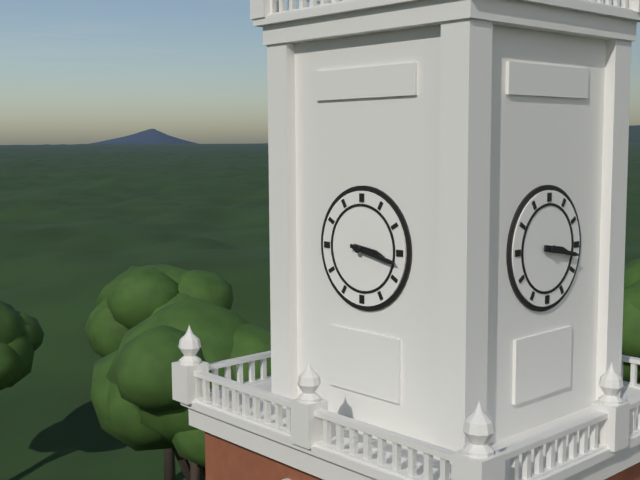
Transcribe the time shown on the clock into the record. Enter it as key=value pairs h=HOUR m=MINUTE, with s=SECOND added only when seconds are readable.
h=3 m=17
